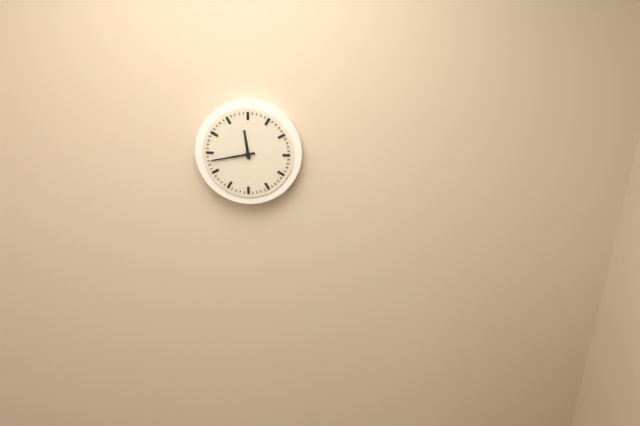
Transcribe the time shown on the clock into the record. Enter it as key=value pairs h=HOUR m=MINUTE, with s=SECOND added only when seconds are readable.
h=11 m=43
